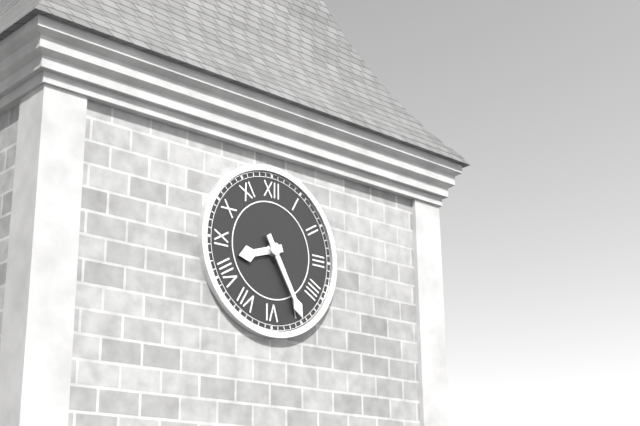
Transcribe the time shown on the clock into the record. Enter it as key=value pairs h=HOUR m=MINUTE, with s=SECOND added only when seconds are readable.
h=8 m=25
